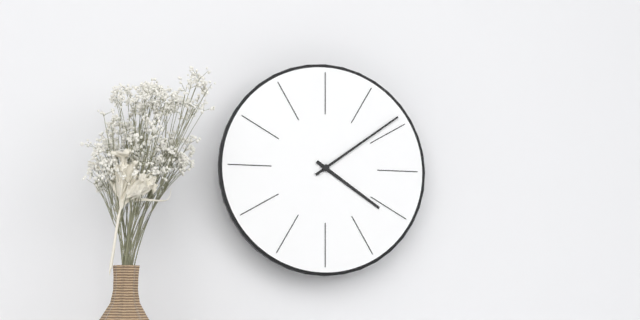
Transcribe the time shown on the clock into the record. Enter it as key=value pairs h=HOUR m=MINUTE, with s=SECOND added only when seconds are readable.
h=4 m=9
